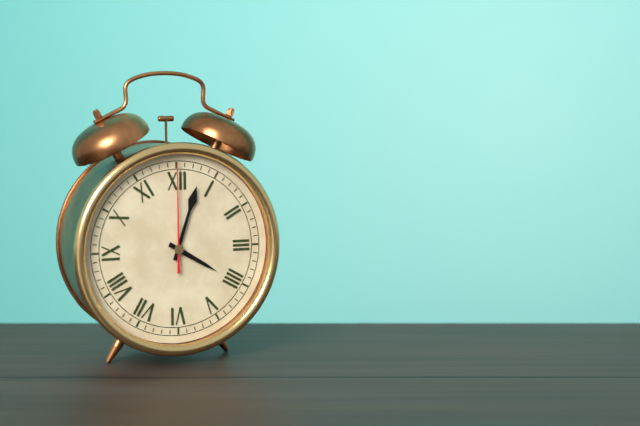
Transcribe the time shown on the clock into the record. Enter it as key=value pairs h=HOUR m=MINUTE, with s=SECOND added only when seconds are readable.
h=4 m=3 s=0
